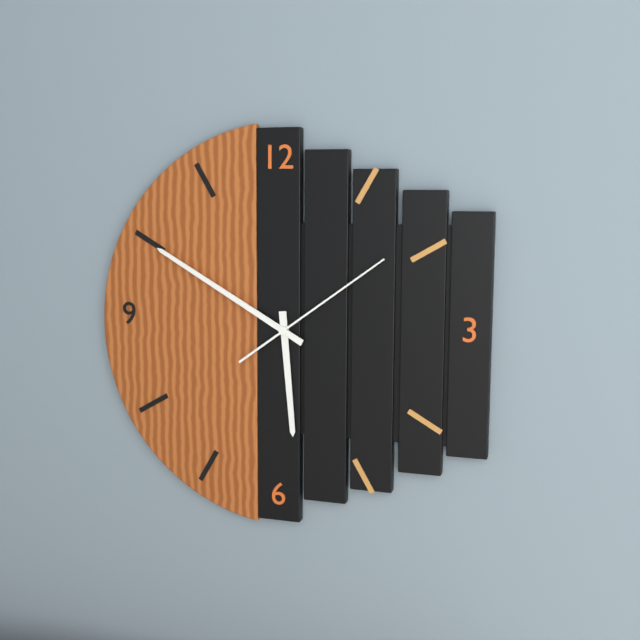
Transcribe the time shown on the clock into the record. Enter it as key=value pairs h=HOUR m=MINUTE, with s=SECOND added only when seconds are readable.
h=5 m=50 s=9
